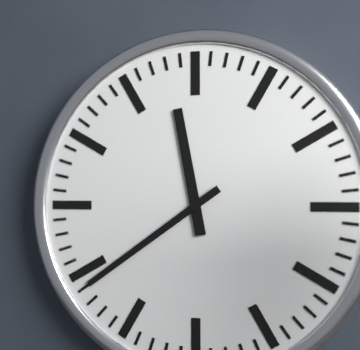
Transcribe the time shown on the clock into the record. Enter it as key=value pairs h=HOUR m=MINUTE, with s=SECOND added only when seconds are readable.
h=11 m=39
